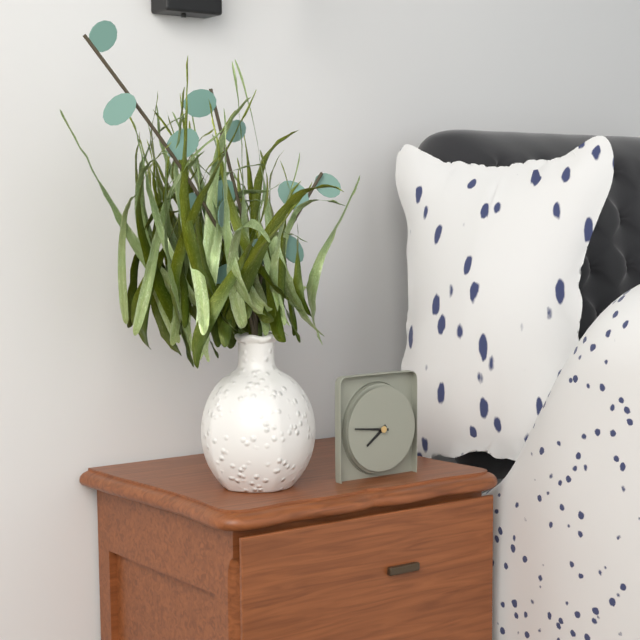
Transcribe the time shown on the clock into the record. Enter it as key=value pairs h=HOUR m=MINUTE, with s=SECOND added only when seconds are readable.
h=7 m=46
